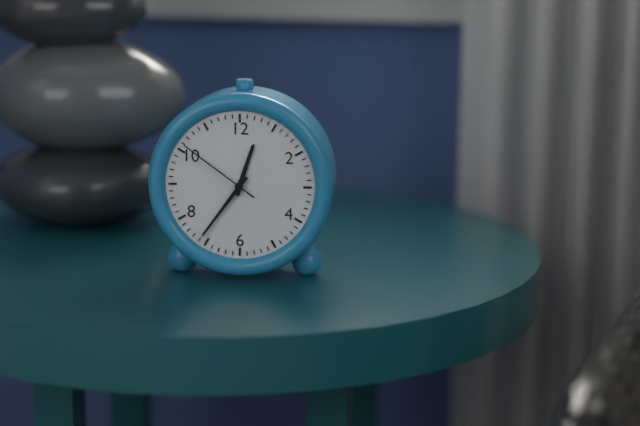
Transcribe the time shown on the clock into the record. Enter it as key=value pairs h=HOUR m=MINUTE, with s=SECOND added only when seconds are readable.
h=12 m=36 s=51
